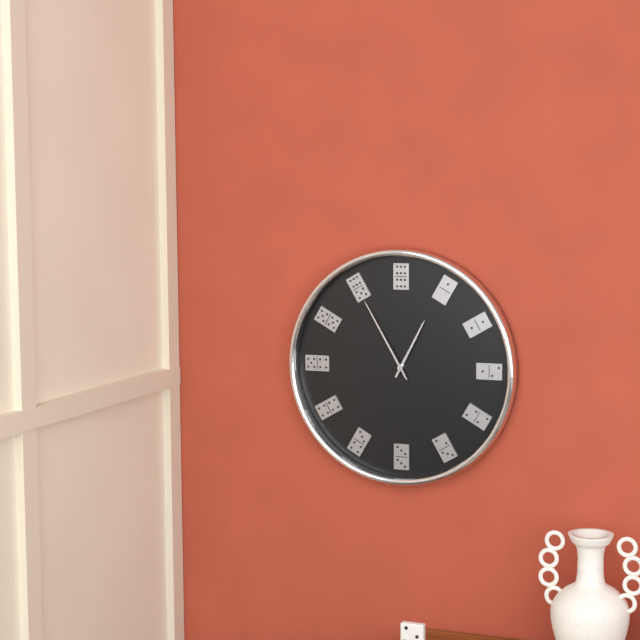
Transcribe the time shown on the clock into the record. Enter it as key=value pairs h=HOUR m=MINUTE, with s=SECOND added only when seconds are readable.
h=12 m=55
